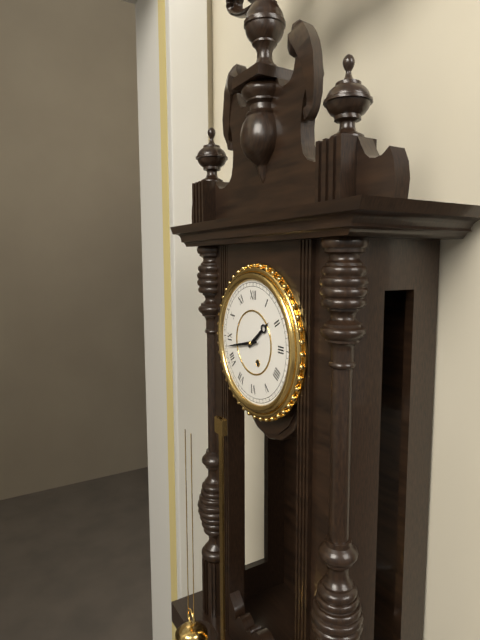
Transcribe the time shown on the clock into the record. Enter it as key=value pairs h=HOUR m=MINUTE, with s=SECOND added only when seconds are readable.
h=1 m=43
